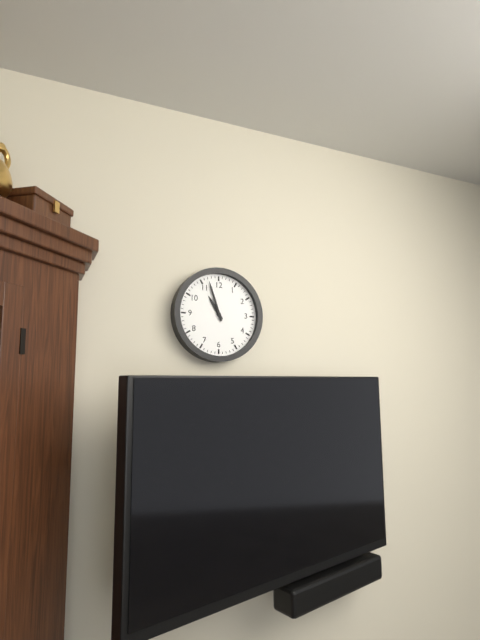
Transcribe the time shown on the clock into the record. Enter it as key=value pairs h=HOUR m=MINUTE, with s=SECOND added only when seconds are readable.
h=10 m=57
